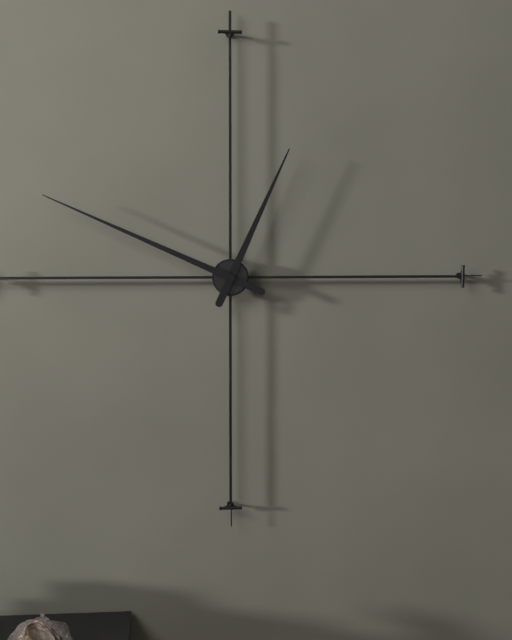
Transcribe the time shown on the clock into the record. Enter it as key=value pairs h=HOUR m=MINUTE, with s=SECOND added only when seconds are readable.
h=12 m=49
